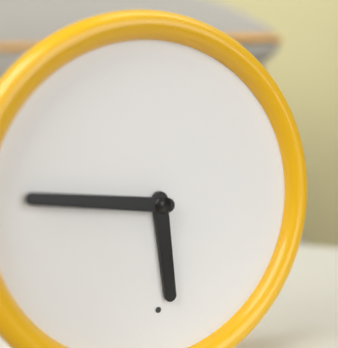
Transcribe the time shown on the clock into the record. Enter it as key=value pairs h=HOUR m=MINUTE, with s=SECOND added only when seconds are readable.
h=5 m=46
